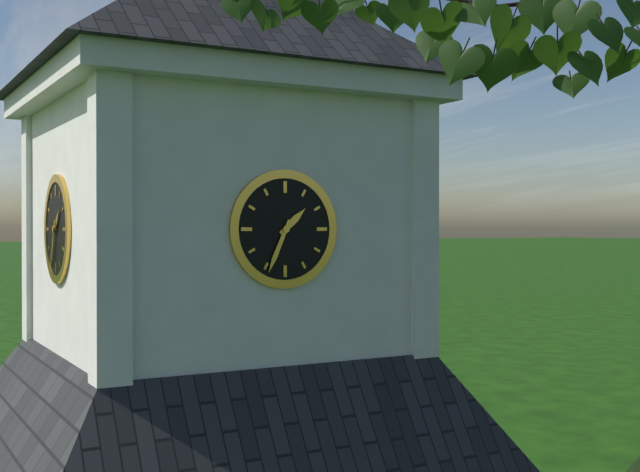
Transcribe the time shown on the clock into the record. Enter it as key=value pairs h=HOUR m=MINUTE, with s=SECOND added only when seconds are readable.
h=1 m=34
